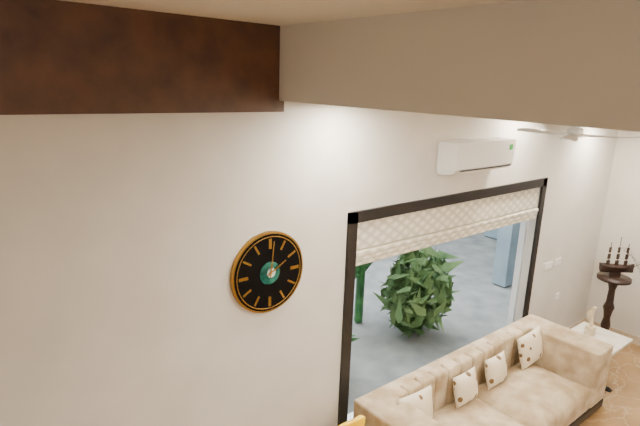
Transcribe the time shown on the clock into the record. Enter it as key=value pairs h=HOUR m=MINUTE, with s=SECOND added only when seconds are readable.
h=2 m=1
